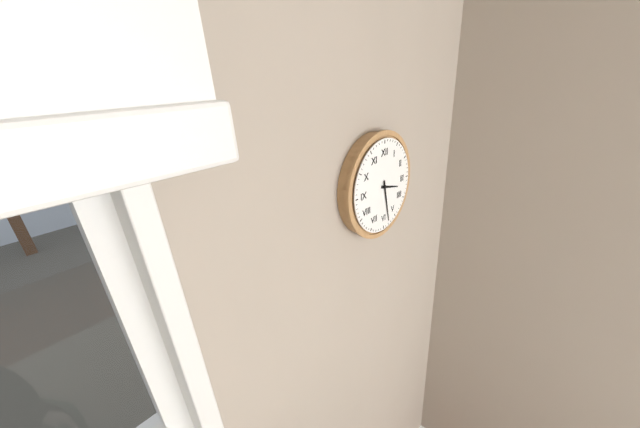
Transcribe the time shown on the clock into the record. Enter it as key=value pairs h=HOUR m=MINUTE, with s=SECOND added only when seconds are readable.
h=3 m=28
